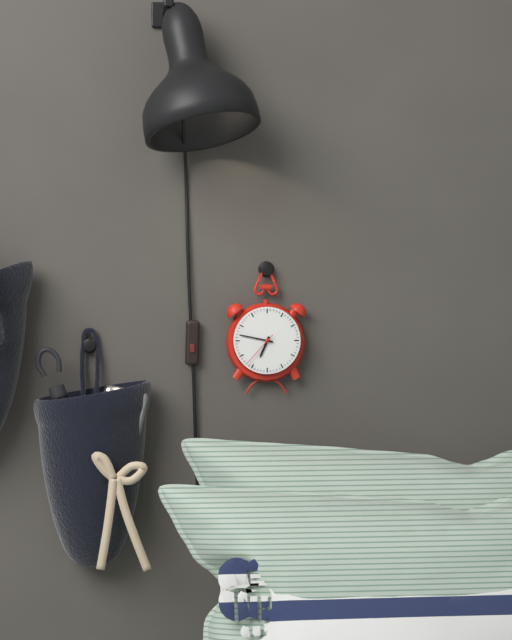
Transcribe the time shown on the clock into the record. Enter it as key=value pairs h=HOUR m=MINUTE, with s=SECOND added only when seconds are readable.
h=6 m=47
